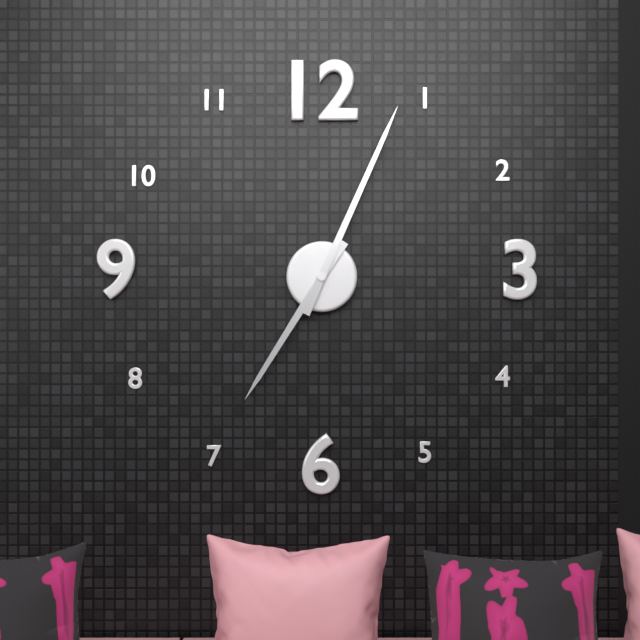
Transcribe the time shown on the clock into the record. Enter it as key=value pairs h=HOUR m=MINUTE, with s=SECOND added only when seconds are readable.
h=7 m=4
